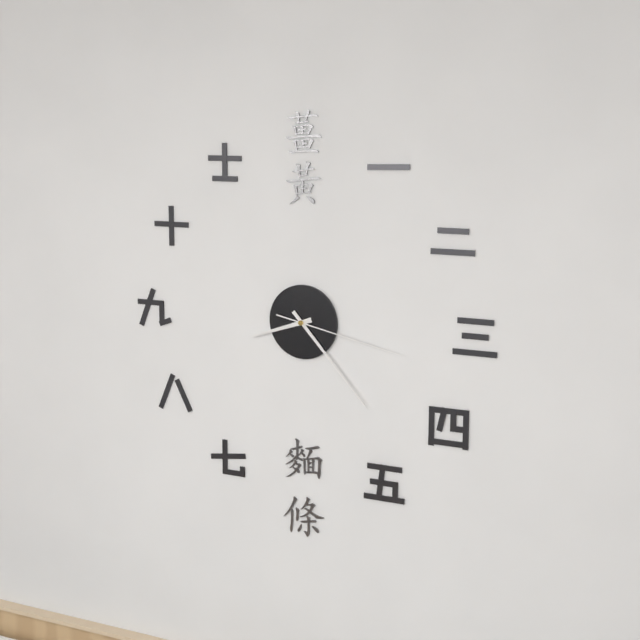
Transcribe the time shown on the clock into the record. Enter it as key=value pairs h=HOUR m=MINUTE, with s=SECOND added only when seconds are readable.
h=8 m=23 s=17
